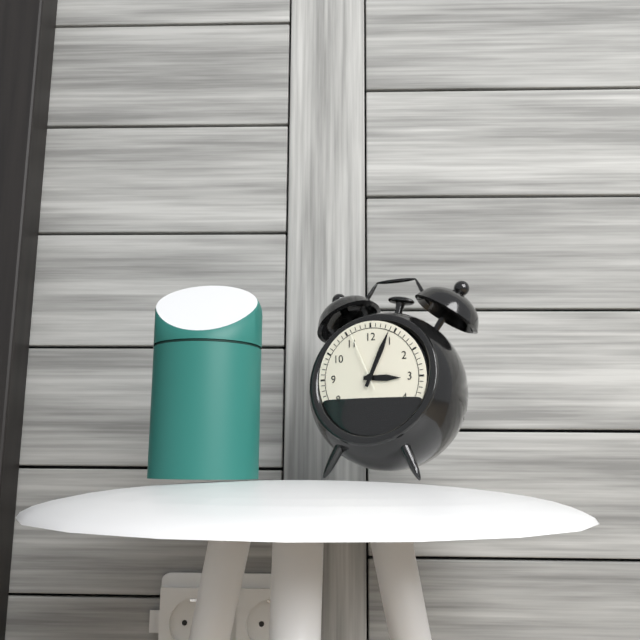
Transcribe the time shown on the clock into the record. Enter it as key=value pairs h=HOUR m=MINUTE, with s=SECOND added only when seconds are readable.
h=3 m=4 s=56
